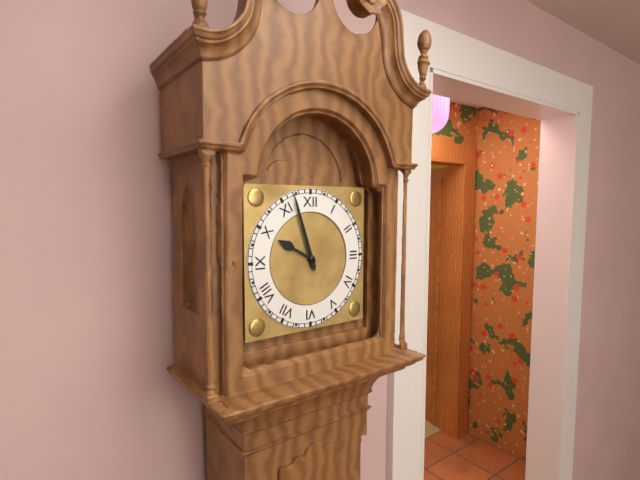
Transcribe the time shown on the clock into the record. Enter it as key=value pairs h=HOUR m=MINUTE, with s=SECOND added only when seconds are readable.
h=9 m=57
